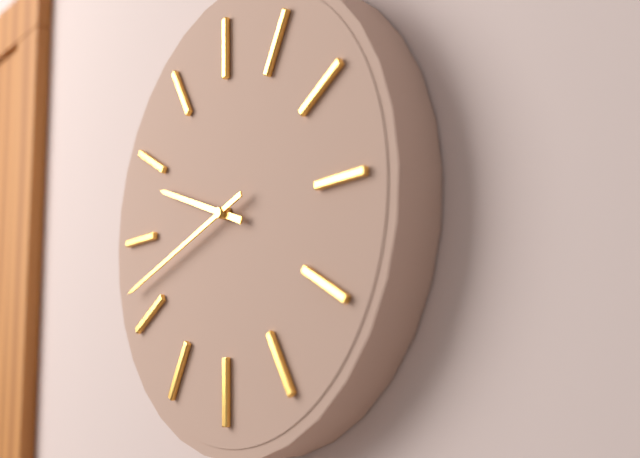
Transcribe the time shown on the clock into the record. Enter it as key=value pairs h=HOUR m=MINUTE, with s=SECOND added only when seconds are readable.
h=9 m=42
